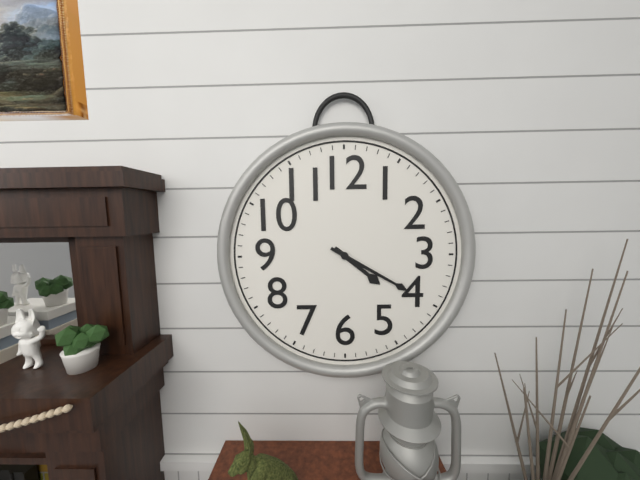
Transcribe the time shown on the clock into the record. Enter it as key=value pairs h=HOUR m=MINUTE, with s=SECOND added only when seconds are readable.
h=4 m=20
